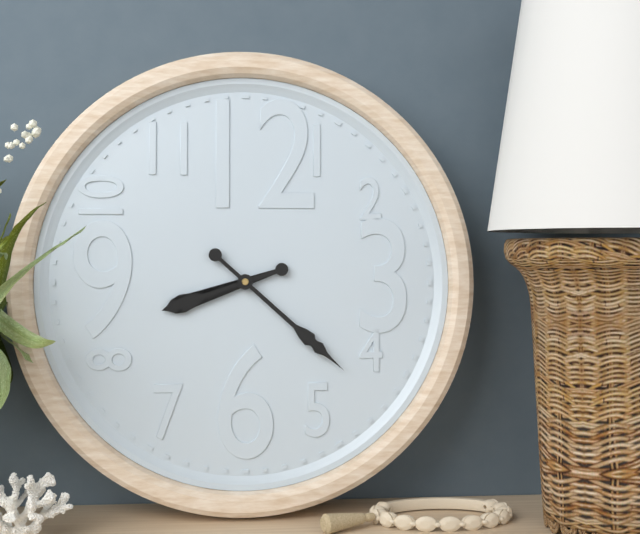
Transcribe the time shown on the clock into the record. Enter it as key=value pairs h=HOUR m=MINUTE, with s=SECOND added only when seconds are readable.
h=8 m=22
